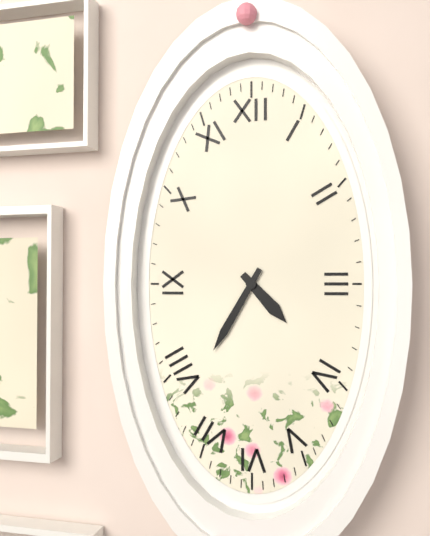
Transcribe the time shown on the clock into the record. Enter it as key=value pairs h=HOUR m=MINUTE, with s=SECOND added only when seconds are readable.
h=4 m=35
